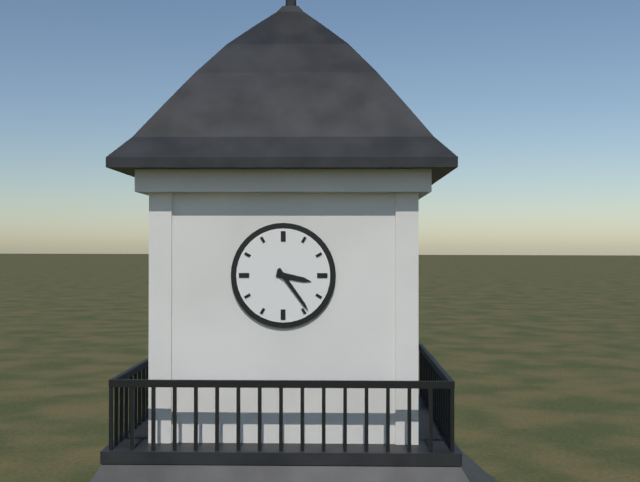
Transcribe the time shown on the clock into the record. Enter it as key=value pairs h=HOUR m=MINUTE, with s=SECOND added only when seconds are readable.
h=3 m=24
